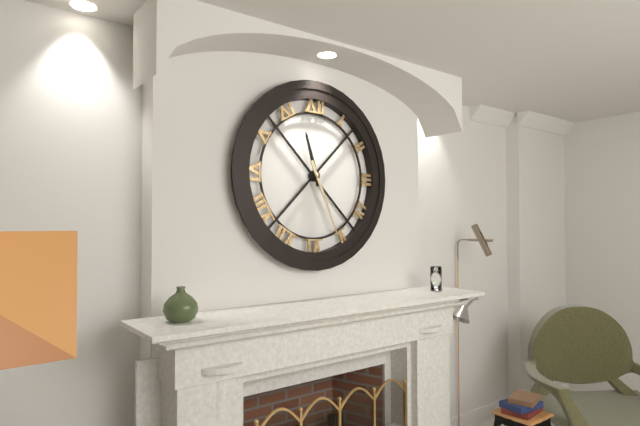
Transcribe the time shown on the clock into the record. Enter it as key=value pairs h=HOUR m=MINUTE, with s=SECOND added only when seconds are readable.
h=11 m=26
